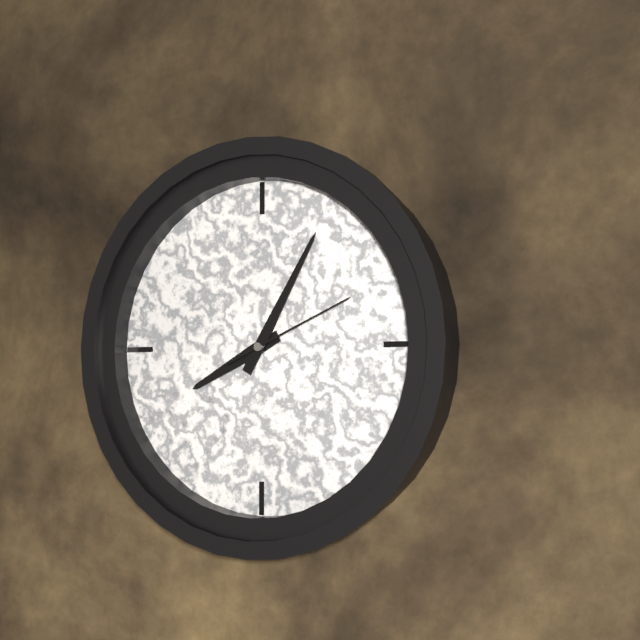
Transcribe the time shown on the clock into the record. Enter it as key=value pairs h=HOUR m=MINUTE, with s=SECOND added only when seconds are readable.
h=8 m=5 s=11
